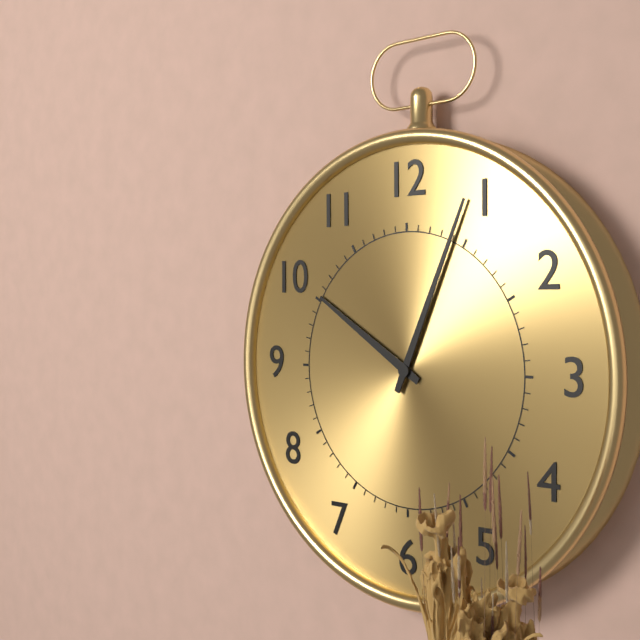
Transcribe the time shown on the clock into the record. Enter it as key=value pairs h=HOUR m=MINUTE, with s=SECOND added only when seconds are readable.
h=10 m=4
